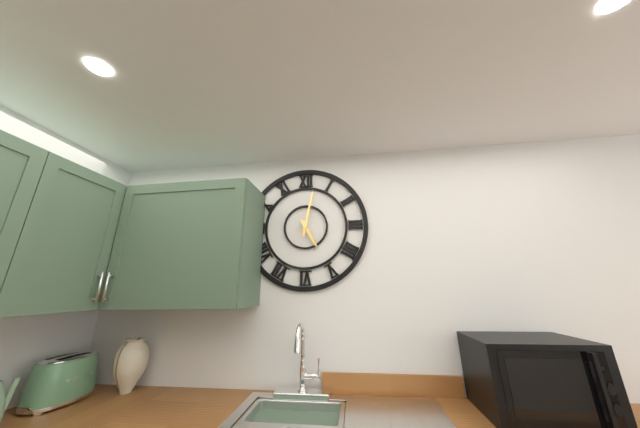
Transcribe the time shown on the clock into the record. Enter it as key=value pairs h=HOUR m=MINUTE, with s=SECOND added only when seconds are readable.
h=5 m=2
